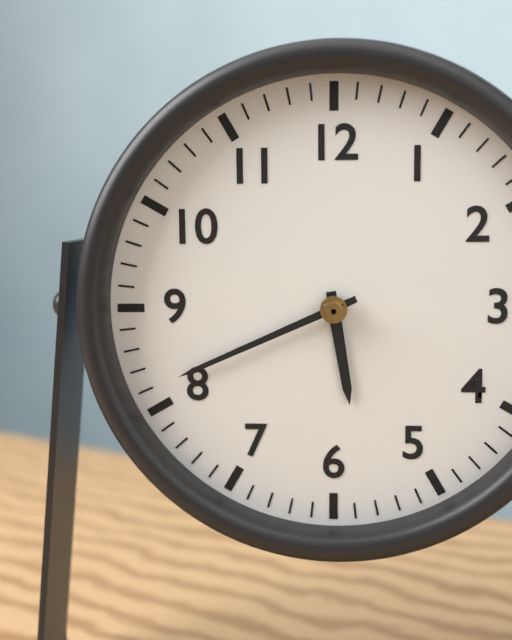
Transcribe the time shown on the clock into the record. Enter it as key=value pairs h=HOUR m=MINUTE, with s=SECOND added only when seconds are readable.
h=5 m=41
